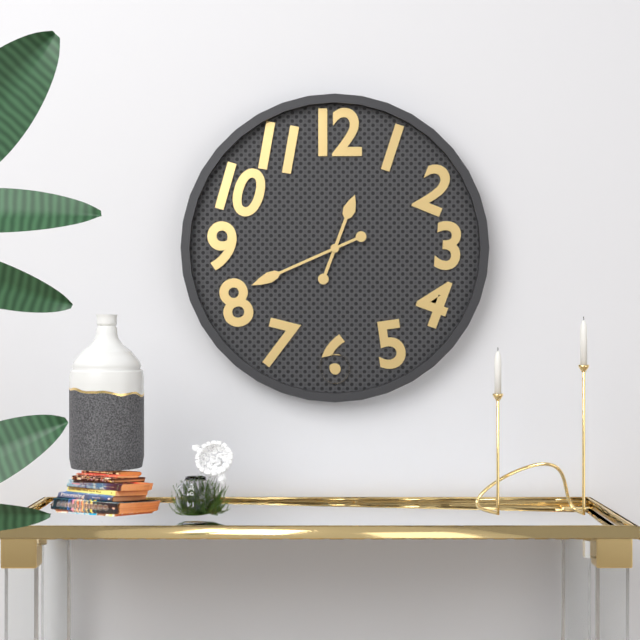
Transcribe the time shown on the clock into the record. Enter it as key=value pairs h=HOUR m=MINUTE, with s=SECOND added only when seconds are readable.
h=12 m=41
